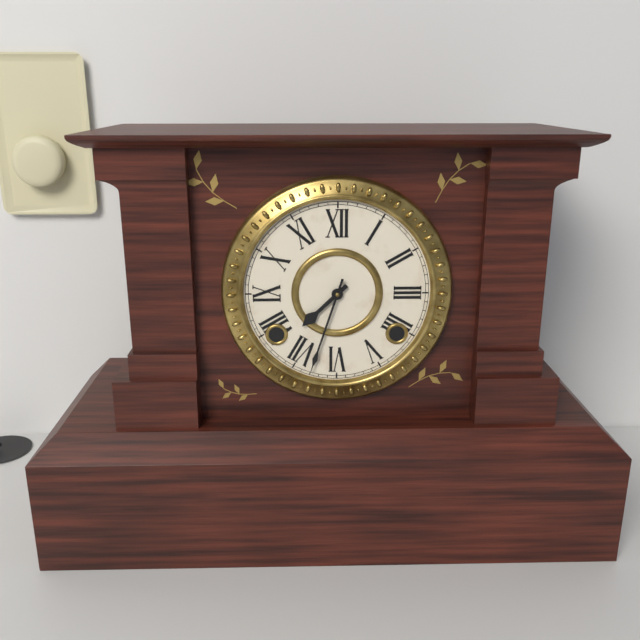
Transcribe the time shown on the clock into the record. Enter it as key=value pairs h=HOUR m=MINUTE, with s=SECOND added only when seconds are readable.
h=7 m=33
